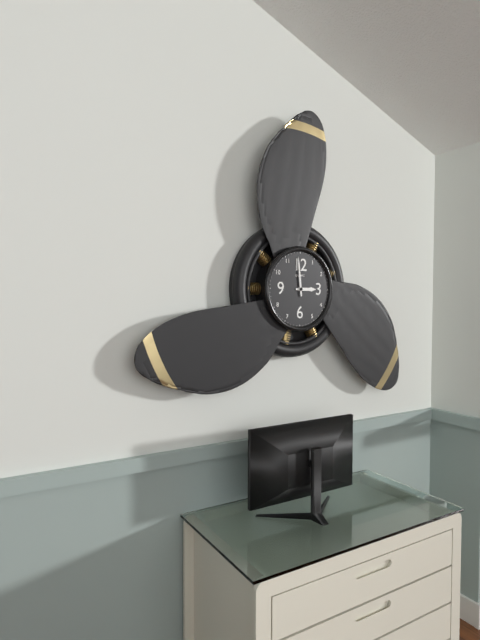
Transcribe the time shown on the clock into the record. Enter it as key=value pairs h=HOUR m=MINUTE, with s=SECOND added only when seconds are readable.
h=2 m=59
